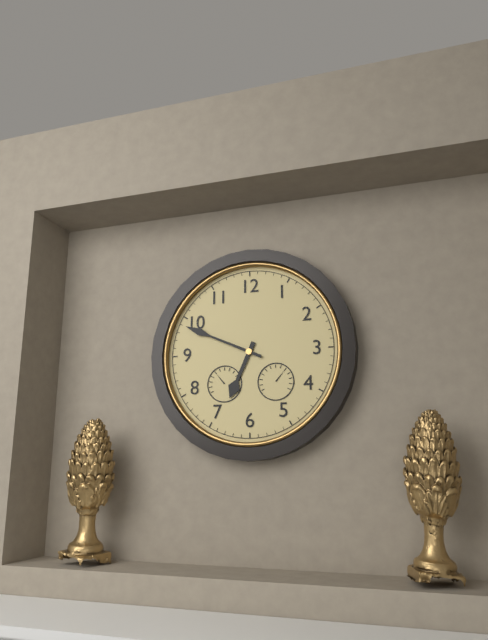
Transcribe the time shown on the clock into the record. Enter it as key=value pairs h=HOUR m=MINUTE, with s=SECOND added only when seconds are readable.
h=6 m=49
